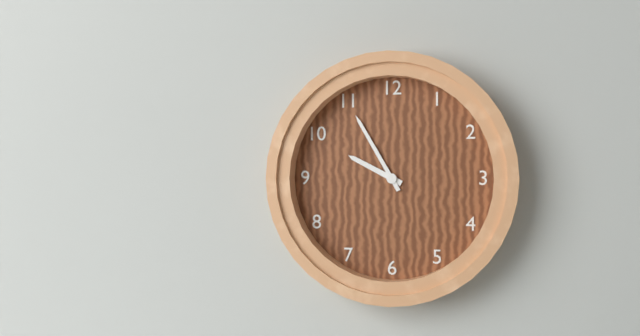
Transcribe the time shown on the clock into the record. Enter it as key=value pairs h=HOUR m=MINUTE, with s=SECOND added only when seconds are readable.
h=9 m=55
